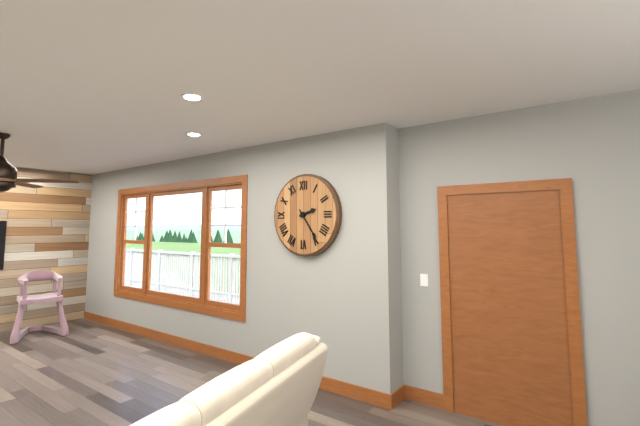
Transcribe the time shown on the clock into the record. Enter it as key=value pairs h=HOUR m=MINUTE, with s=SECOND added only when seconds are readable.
h=2 m=24
